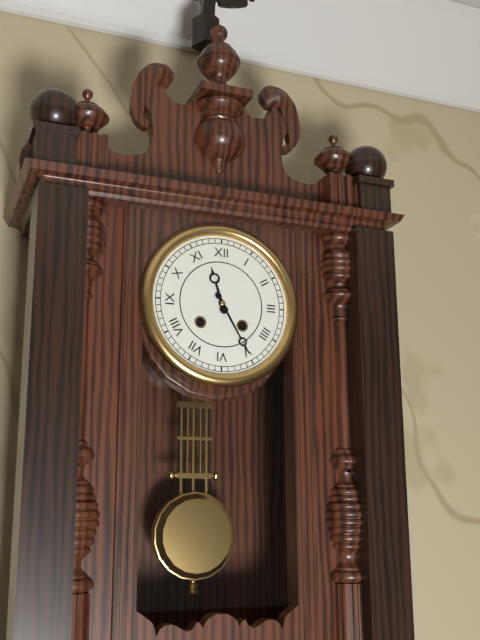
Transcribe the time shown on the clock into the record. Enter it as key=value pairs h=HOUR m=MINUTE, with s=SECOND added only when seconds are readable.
h=11 m=25
